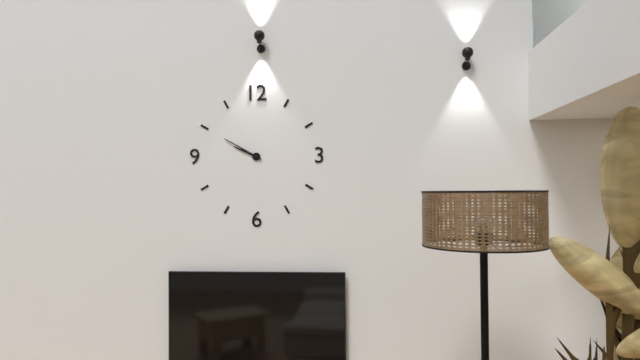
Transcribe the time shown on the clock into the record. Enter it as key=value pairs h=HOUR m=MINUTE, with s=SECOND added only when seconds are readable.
h=9 m=50
